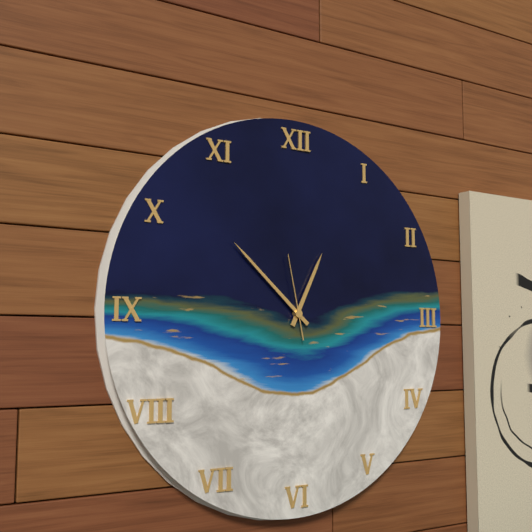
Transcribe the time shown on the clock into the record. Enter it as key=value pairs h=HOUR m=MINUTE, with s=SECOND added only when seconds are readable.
h=12 m=52 s=58
